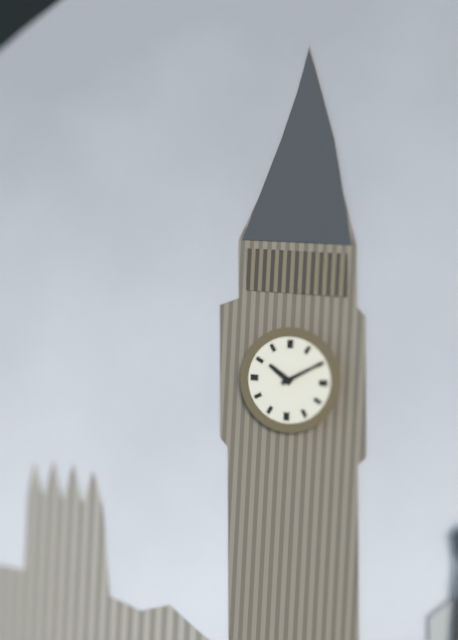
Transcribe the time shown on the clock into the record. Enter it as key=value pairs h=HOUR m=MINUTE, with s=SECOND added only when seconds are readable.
h=10 m=10
